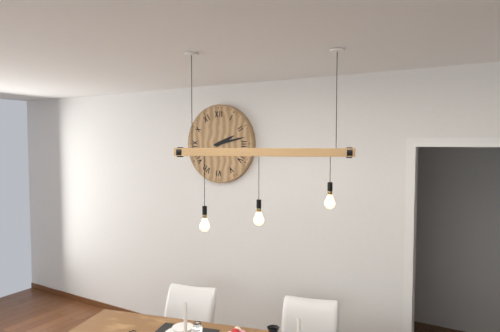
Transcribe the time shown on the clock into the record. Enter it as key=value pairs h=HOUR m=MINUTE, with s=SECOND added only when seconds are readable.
h=2 m=13
